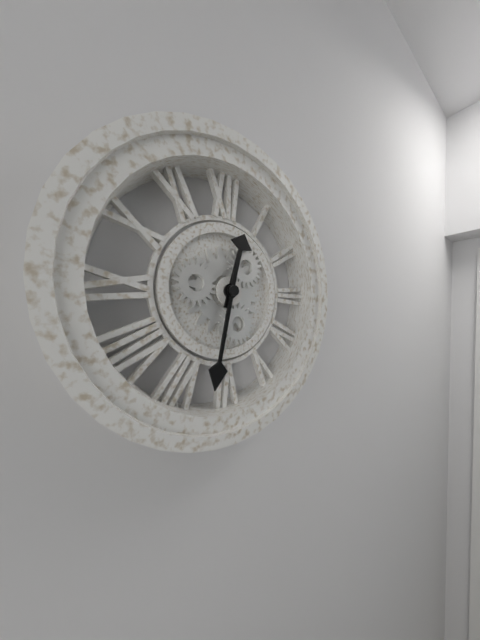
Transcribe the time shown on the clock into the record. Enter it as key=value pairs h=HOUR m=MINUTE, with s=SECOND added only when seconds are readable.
h=12 m=32
